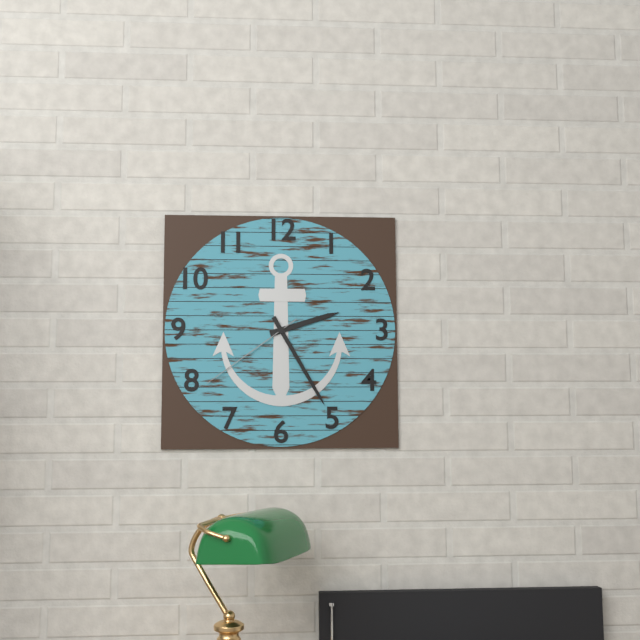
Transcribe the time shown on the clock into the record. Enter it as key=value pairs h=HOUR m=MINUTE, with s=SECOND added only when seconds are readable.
h=2 m=25 s=39
